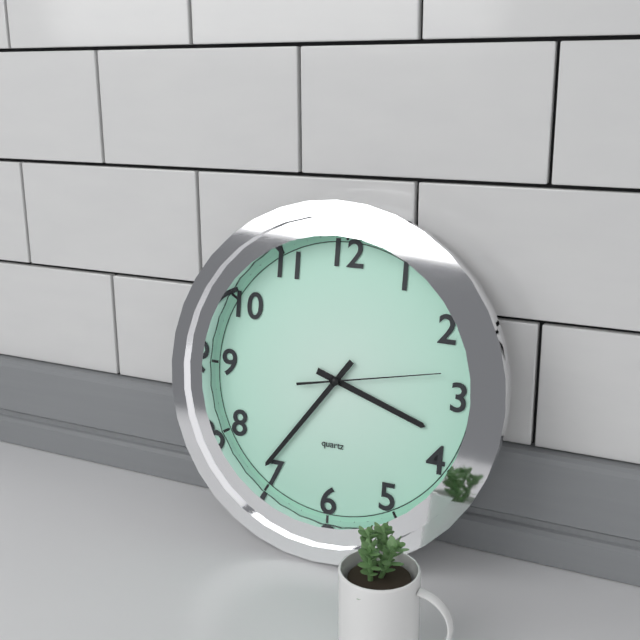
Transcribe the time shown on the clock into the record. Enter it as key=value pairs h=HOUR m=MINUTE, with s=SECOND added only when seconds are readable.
h=3 m=36 s=13
